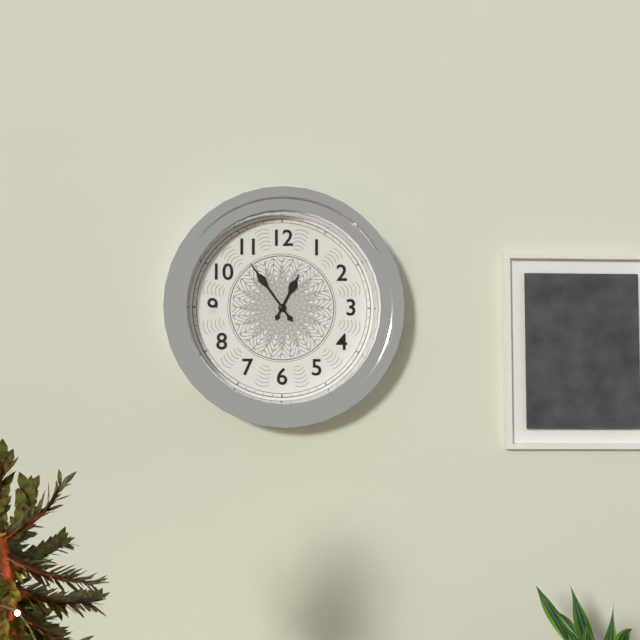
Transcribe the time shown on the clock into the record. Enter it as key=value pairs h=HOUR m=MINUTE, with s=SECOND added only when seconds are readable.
h=12 m=54
